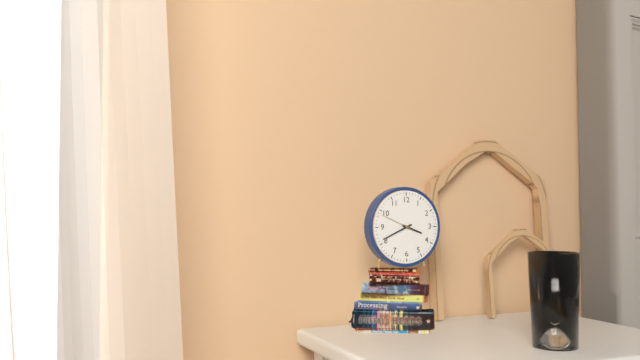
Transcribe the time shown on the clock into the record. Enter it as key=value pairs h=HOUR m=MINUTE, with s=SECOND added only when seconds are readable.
h=3 m=41
